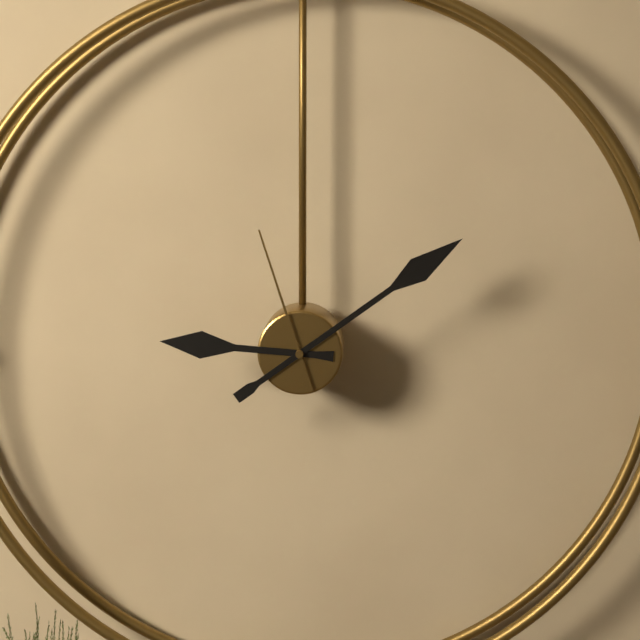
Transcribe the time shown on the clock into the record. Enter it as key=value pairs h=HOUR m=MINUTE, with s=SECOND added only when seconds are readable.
h=9 m=9 s=57
